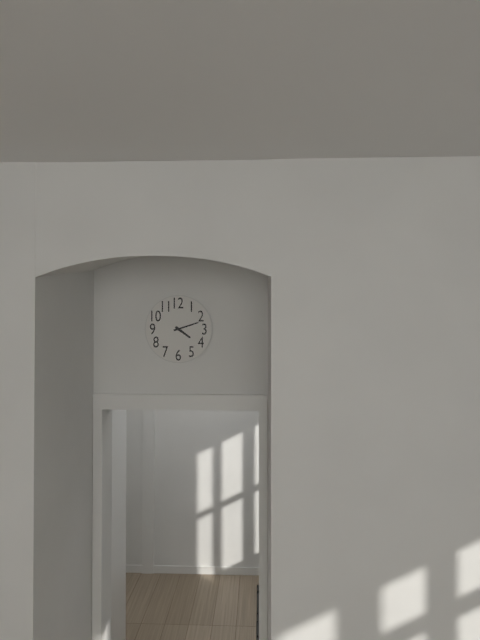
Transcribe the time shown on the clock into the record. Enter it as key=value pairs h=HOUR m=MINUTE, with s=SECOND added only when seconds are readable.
h=4 m=12
